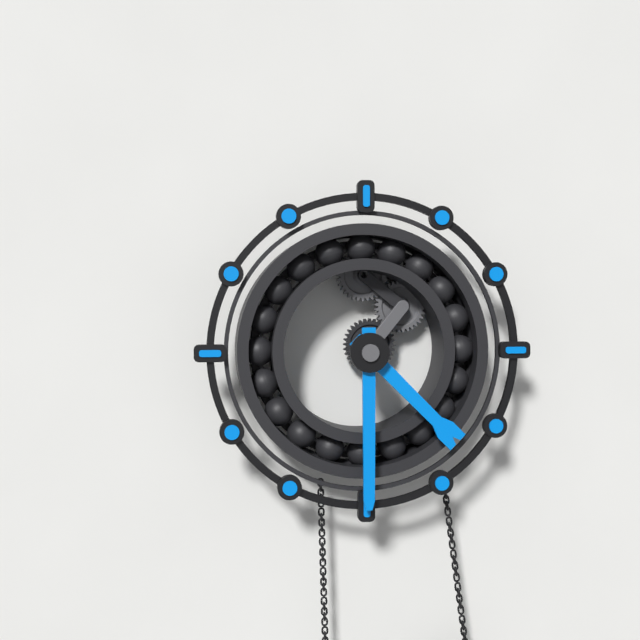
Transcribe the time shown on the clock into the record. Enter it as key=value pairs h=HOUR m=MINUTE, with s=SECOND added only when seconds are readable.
h=4 m=30
